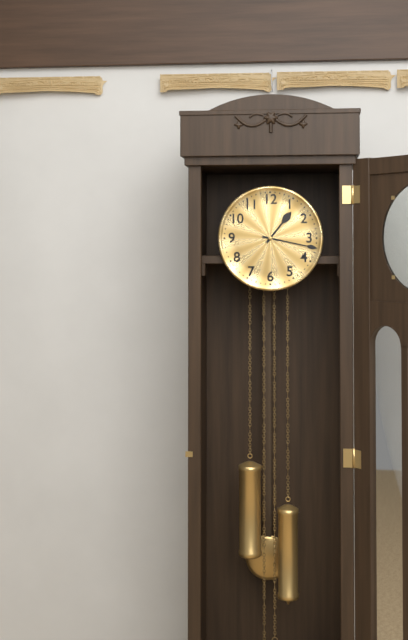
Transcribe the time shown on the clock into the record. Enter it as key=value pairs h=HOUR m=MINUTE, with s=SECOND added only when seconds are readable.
h=1 m=17
